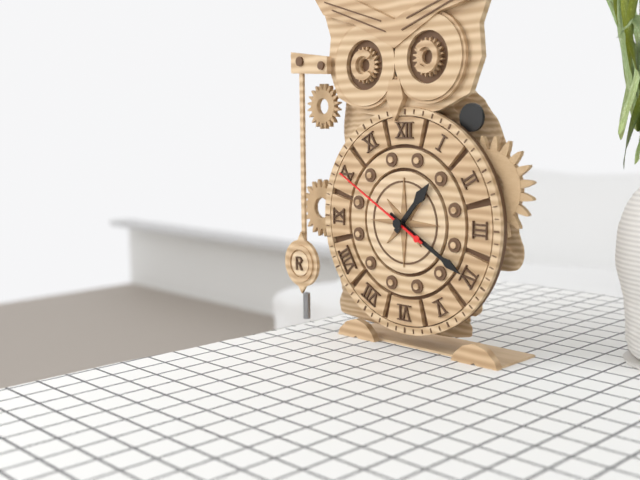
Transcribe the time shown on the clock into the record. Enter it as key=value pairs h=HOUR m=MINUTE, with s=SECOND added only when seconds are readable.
h=1 m=20 s=50
